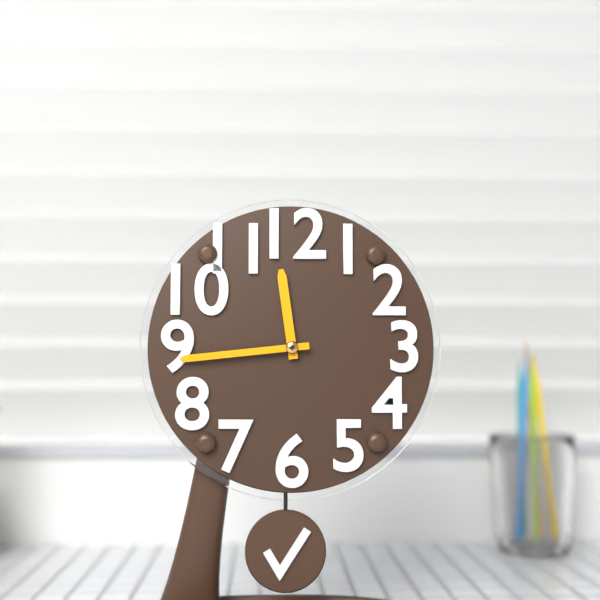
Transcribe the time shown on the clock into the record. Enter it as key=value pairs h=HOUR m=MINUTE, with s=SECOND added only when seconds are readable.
h=11 m=44
